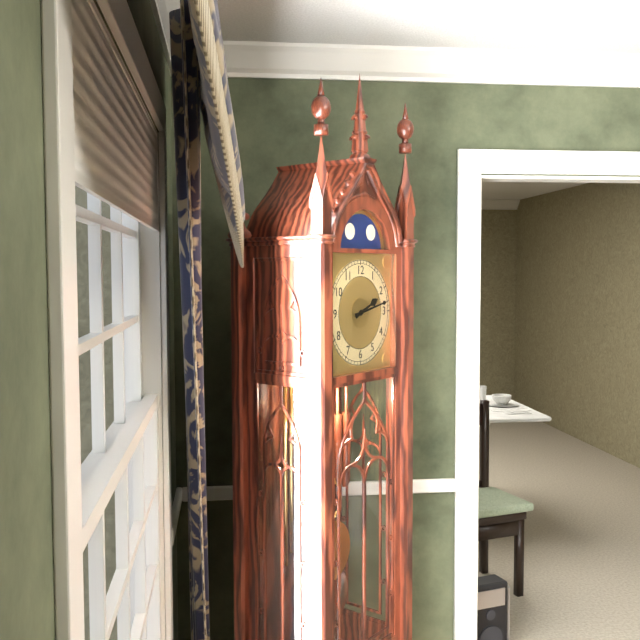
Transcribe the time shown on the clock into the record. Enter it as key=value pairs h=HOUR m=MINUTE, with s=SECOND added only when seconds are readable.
h=2 m=13
